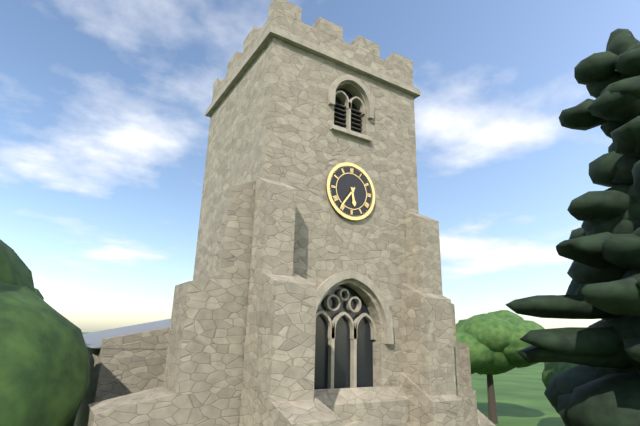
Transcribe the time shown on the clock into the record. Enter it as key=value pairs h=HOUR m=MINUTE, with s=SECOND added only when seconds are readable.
h=5 m=36
